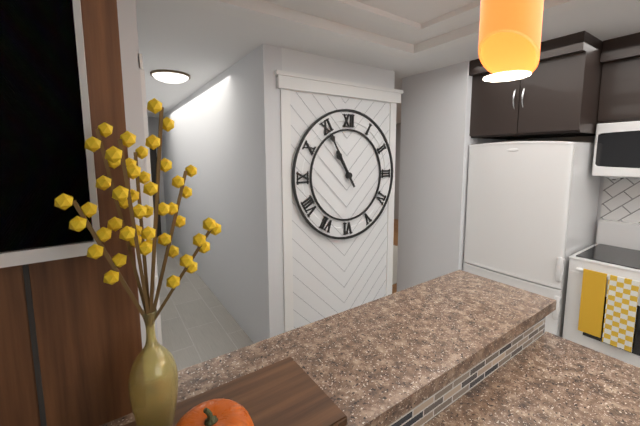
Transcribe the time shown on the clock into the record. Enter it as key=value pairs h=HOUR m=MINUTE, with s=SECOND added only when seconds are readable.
h=10 m=55
